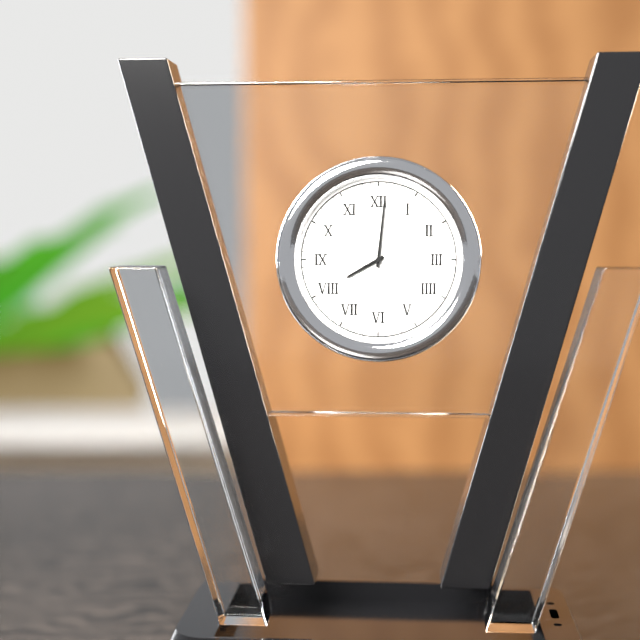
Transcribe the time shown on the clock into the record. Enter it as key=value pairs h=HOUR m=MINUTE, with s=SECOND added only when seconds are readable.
h=8 m=1 s=11
